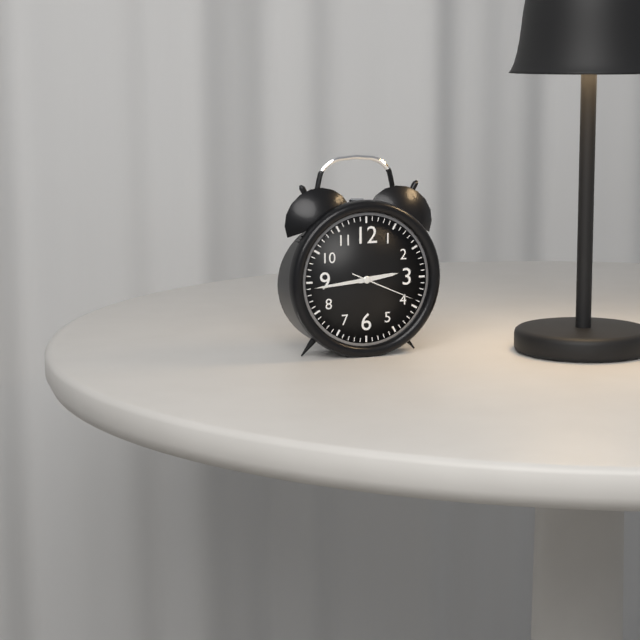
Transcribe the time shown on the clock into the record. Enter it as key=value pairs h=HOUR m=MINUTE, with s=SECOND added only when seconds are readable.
h=2 m=44 s=19
